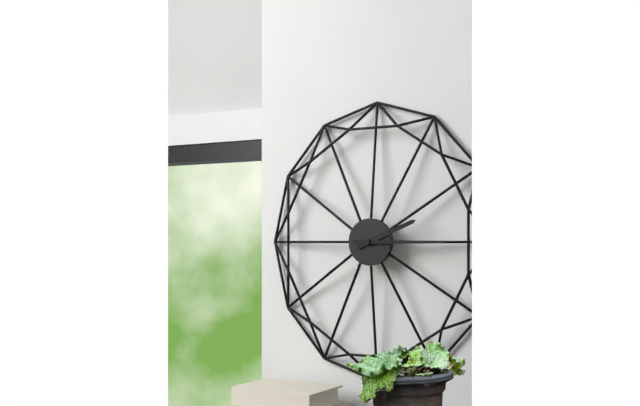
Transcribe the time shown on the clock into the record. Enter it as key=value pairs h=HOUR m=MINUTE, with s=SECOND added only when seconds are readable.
h=2 m=15
